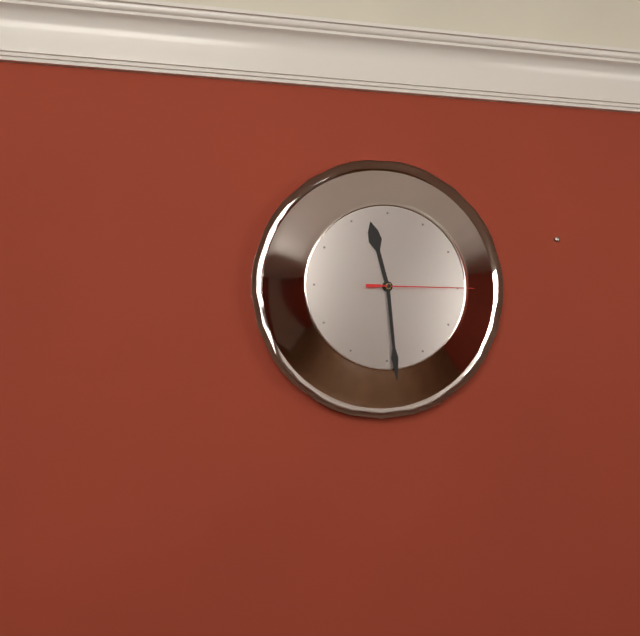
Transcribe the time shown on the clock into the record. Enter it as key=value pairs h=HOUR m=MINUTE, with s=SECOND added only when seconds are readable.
h=11 m=29 s=15
